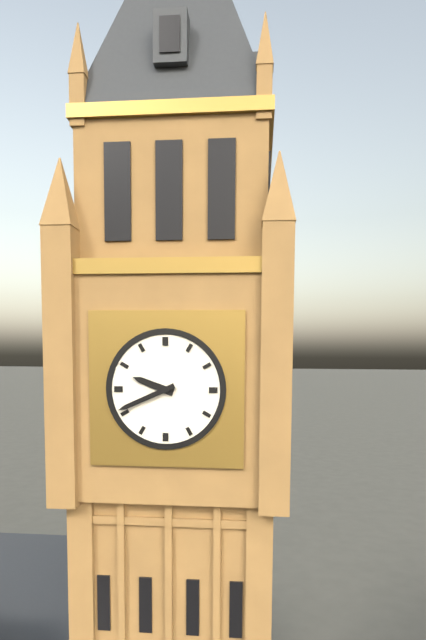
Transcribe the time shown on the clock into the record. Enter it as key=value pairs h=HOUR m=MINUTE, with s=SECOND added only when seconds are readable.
h=9 m=41
